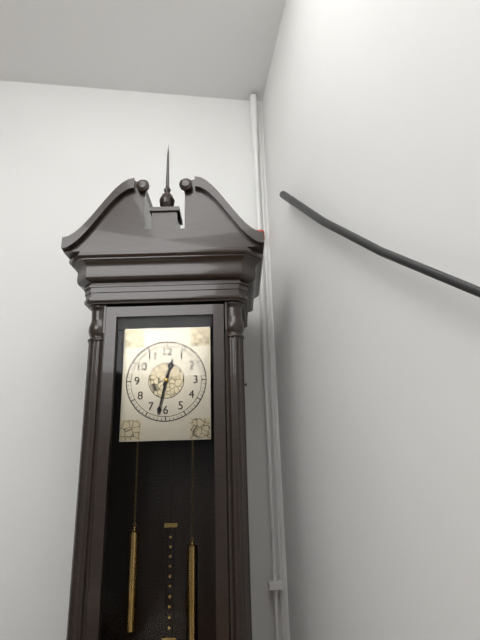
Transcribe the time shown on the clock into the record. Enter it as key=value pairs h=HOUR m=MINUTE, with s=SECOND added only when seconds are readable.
h=12 m=32
